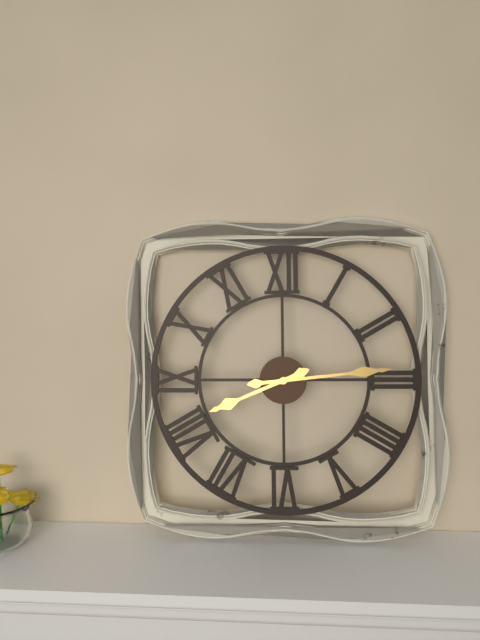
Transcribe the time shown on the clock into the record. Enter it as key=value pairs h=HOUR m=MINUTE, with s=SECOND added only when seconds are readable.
h=8 m=14
